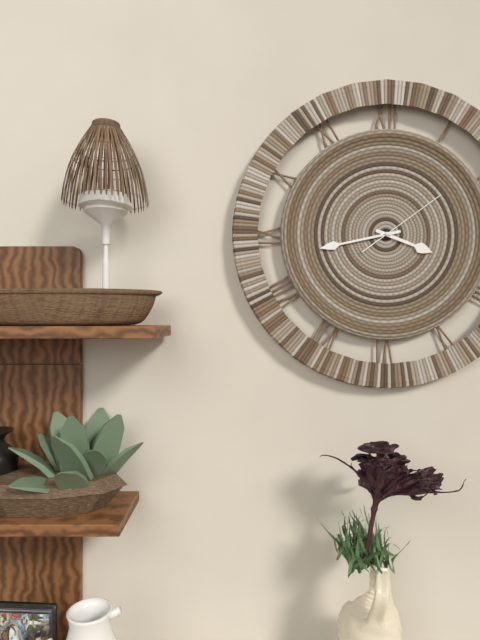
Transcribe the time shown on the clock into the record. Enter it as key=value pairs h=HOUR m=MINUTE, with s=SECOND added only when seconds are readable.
h=3 m=43 s=9
